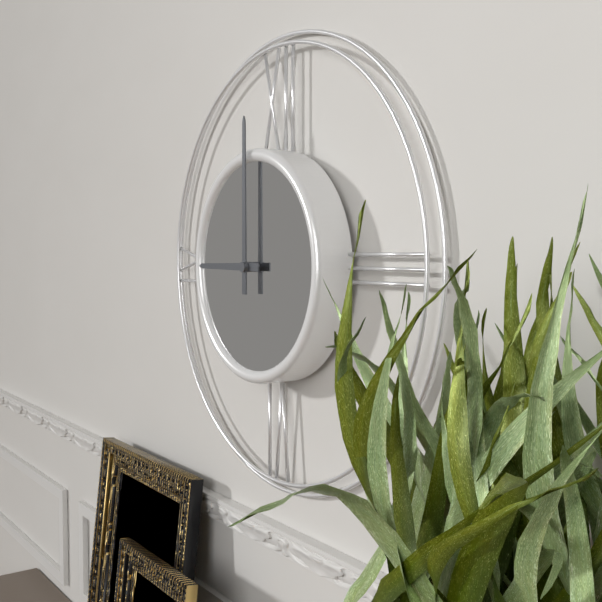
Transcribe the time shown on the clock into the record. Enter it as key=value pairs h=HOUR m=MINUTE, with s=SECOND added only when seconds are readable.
h=9 m=0
